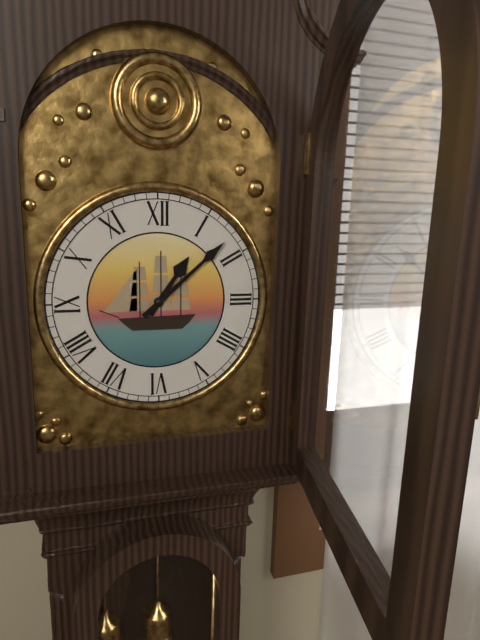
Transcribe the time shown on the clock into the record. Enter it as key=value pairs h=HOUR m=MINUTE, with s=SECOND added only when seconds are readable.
h=1 m=8
